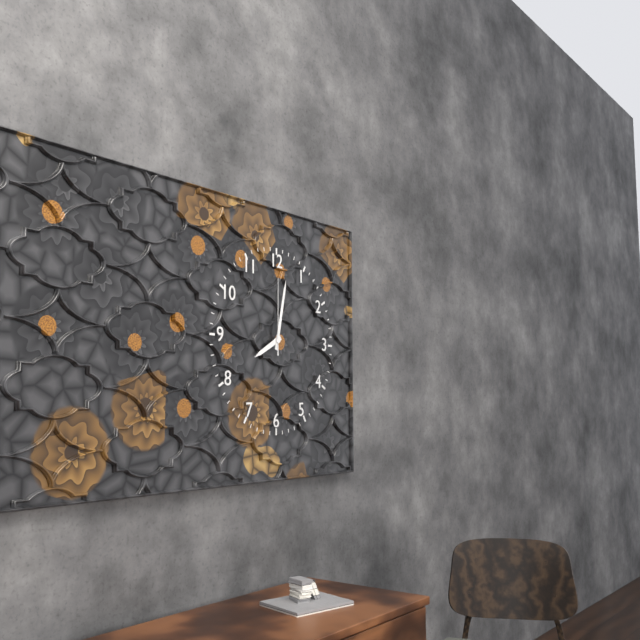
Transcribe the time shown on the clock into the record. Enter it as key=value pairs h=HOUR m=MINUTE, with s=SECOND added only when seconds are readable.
h=8 m=2 s=0
